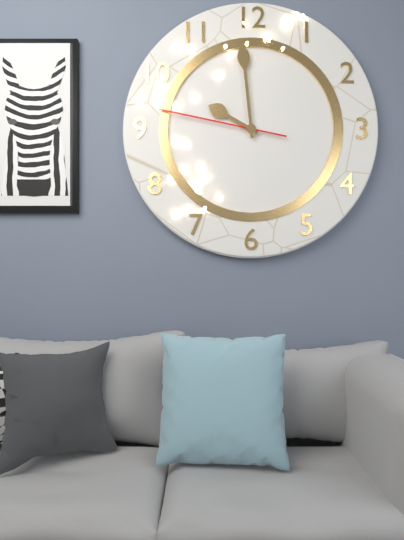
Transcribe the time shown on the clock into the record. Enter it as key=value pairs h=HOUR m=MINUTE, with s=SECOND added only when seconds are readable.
h=9 m=59 s=47
